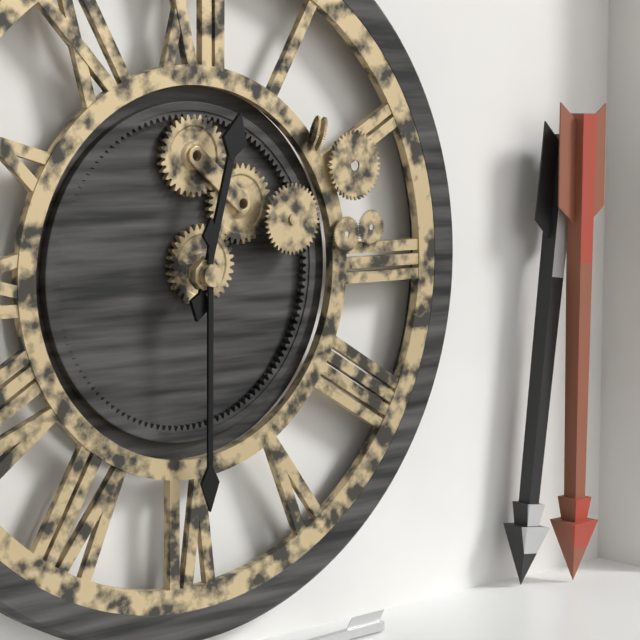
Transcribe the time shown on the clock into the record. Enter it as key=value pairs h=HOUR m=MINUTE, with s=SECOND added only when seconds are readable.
h=12 m=30
